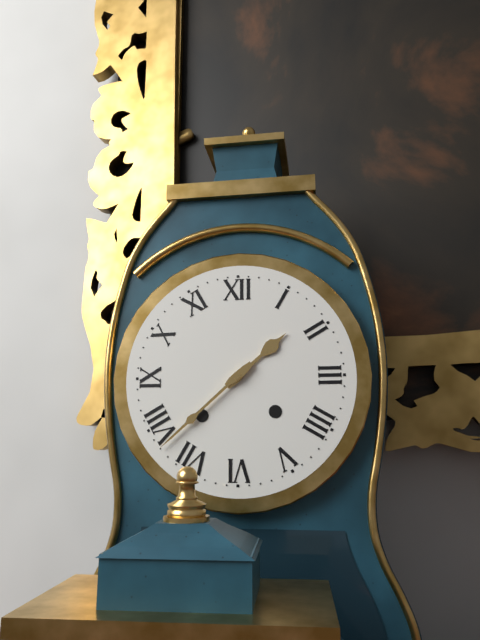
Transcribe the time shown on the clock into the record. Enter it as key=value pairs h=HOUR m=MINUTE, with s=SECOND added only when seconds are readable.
h=1 m=38
